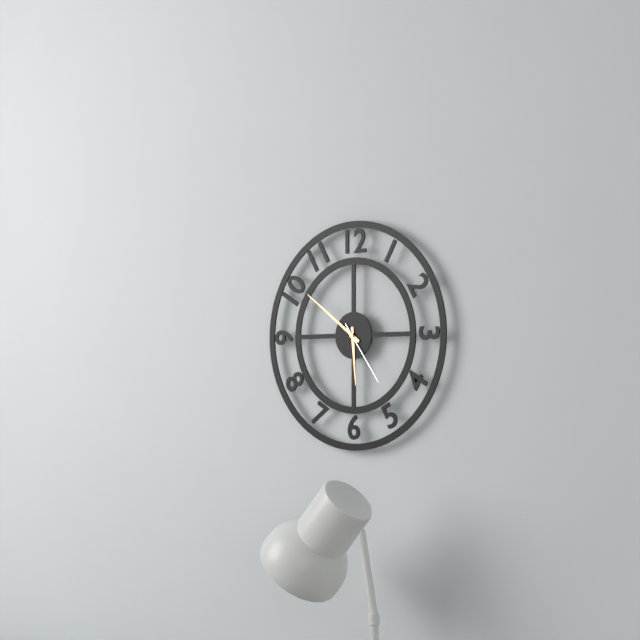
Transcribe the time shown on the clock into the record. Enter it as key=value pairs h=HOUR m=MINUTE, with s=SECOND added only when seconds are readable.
h=5 m=51 s=24
